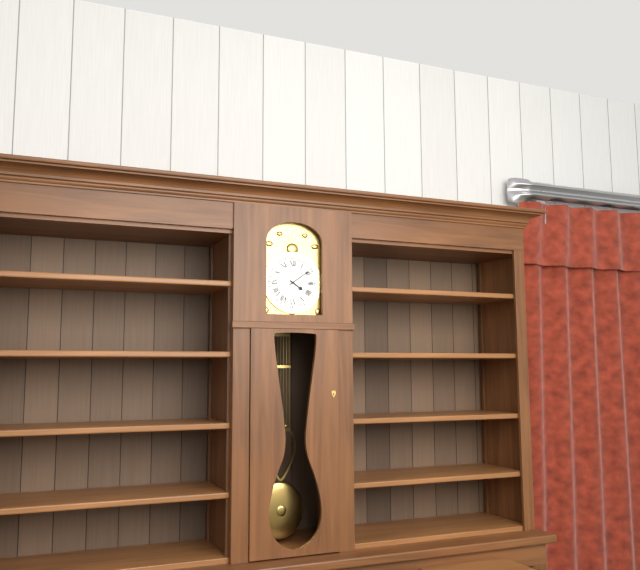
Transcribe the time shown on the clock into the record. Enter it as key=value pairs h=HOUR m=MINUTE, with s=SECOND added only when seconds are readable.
h=4 m=9
